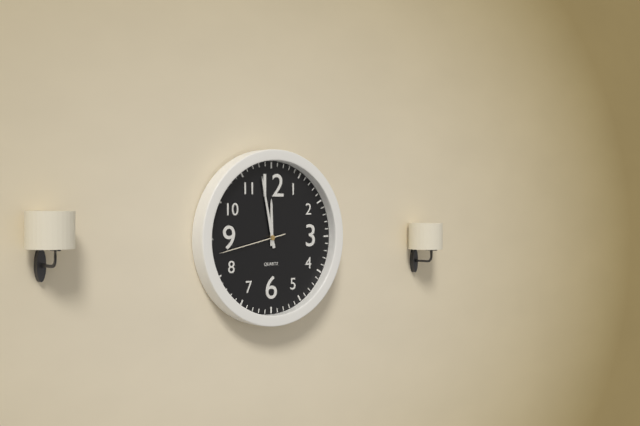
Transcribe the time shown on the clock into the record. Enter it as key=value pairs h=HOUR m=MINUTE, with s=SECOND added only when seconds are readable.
h=11 m=58 s=43
